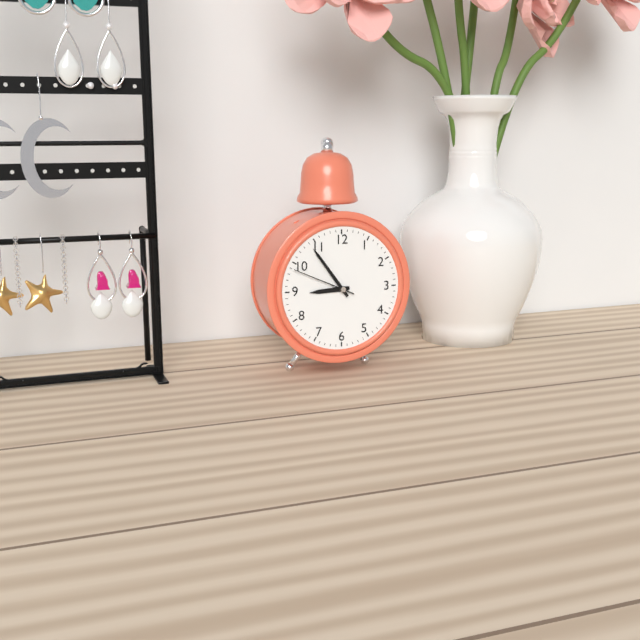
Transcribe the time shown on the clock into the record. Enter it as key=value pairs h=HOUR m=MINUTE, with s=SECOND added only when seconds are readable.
h=8 m=54 s=49
